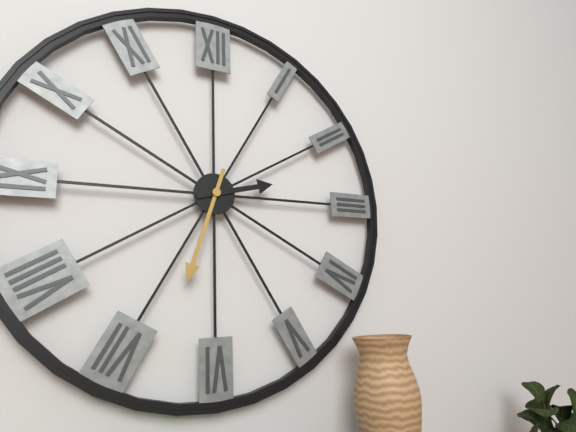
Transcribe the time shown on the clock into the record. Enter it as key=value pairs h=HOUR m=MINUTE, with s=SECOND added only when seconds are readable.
h=2 m=33
